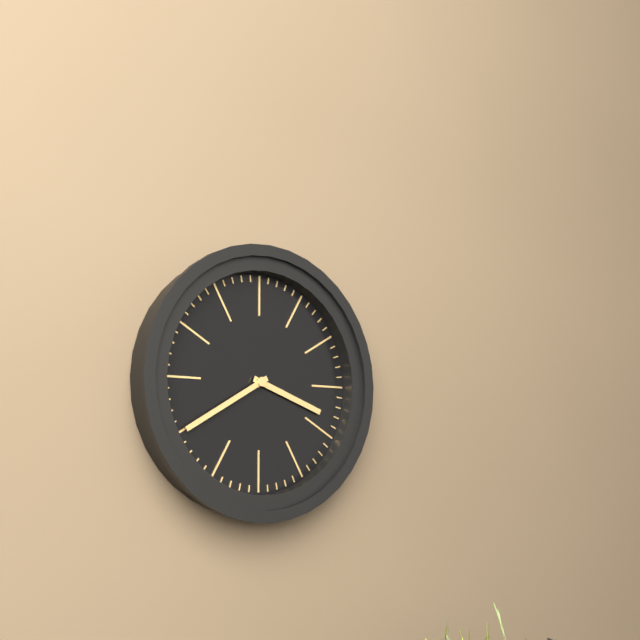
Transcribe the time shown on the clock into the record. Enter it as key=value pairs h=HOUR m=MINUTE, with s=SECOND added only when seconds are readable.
h=3 m=40
